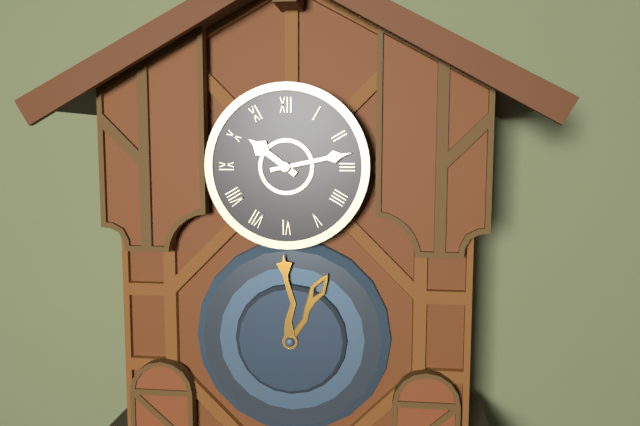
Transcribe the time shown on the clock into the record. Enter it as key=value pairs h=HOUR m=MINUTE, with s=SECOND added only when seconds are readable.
h=10 m=13
